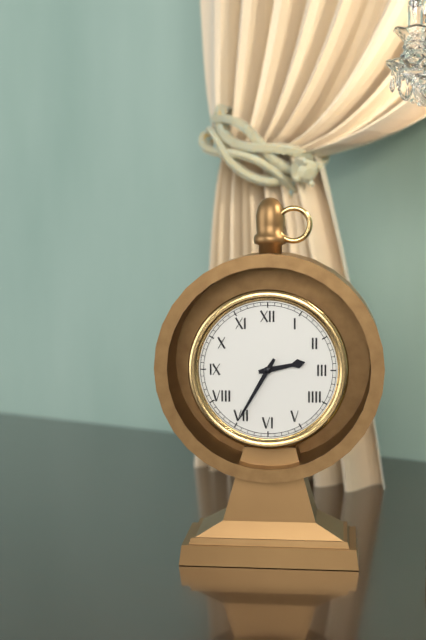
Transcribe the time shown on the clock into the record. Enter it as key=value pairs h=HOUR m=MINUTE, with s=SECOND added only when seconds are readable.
h=2 m=35
